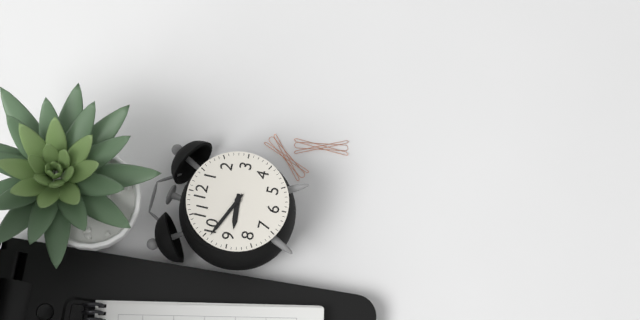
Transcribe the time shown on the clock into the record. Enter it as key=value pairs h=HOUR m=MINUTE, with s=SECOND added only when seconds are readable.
h=8 m=49
